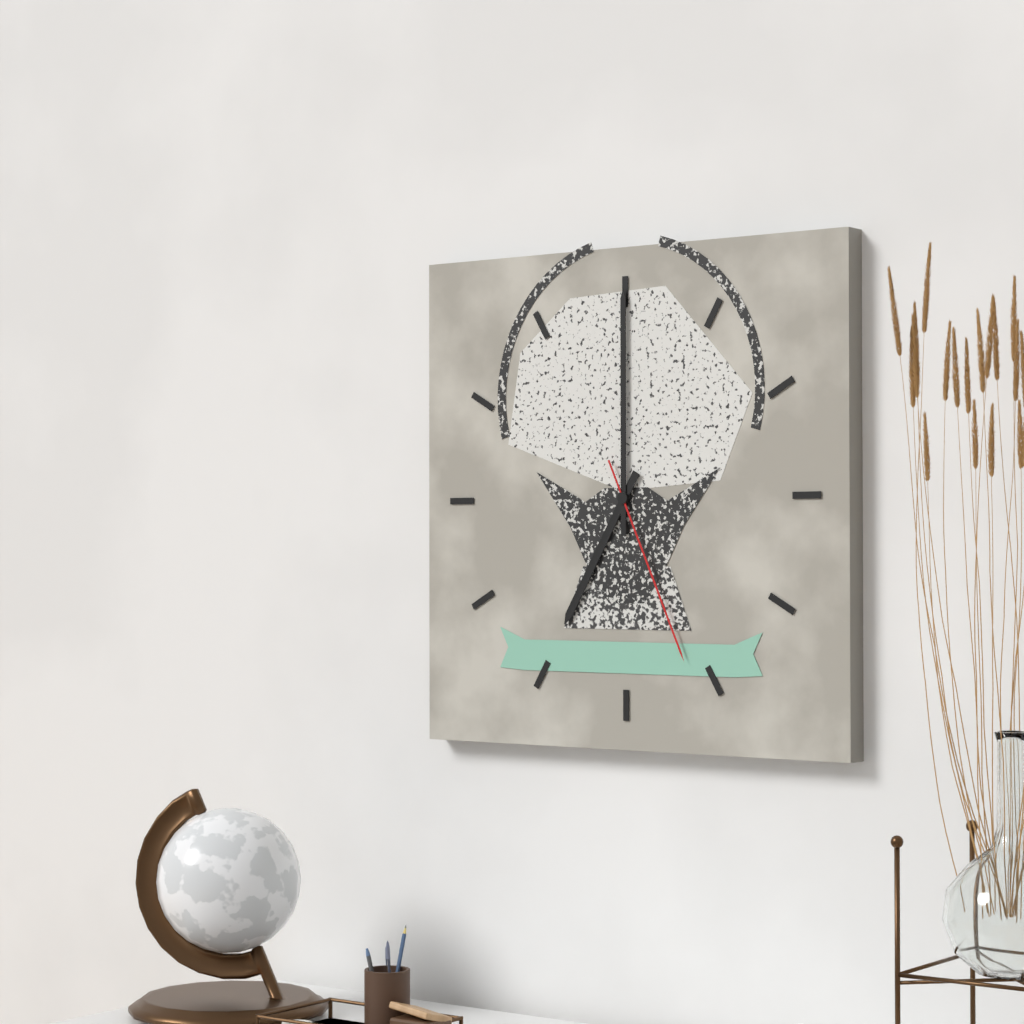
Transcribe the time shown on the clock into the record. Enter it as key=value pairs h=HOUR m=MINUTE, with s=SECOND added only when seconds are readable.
h=7 m=0 s=26
